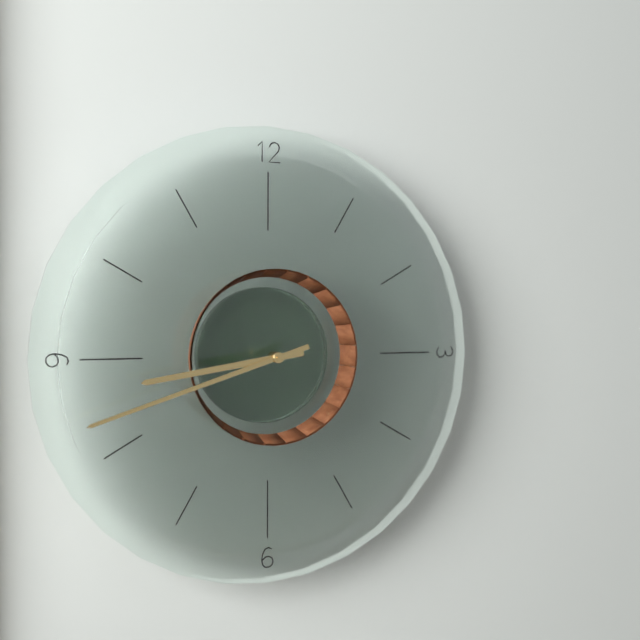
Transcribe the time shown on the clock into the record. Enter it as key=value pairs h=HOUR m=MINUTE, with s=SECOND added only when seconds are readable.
h=8 m=42
